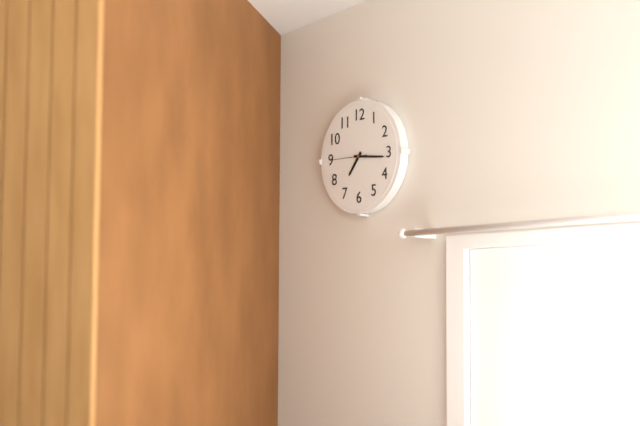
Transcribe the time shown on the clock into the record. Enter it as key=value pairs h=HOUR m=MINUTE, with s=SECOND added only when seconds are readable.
h=7 m=16
